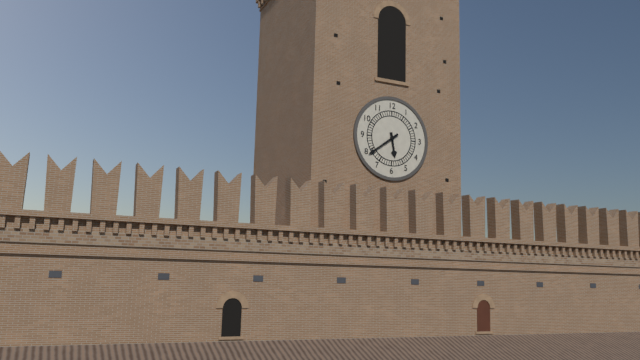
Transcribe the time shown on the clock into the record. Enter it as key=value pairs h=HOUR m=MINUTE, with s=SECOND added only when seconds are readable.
h=5 m=39
